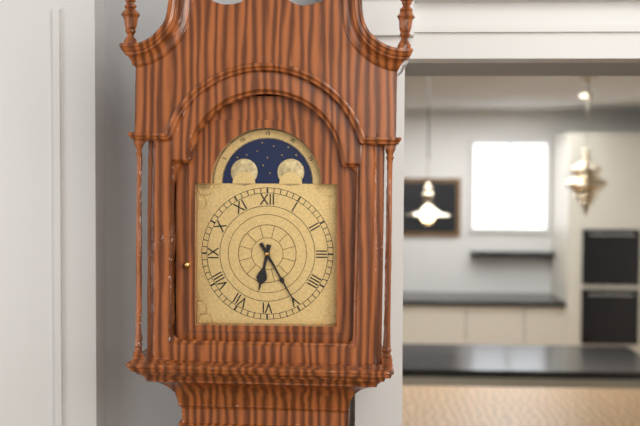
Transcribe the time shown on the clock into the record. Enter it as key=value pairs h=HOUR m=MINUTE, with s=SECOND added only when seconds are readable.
h=6 m=25
